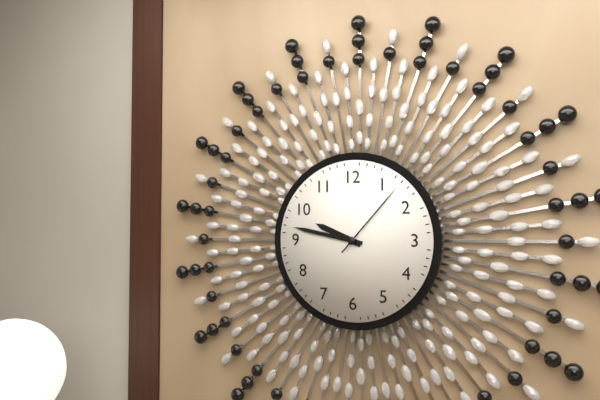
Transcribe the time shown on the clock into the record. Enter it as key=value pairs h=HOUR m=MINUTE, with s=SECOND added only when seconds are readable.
h=9 m=47 s=7
